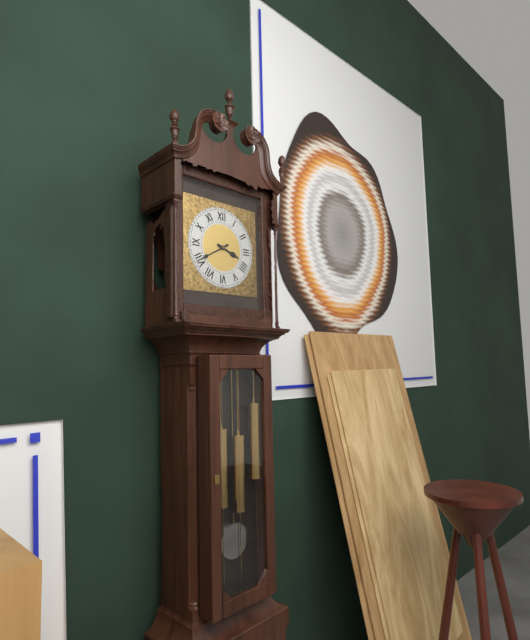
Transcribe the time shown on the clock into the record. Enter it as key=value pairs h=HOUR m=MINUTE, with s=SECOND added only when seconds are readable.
h=3 m=40
